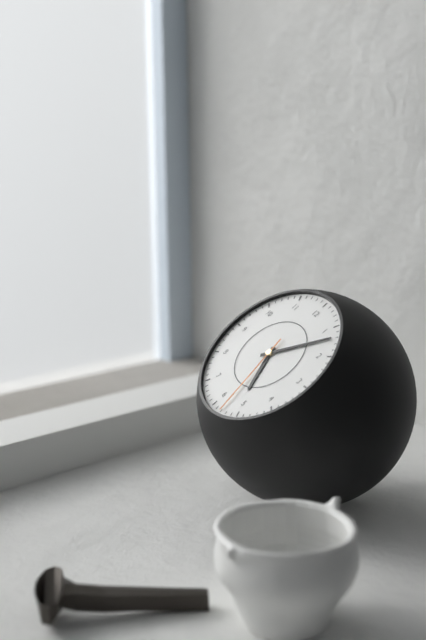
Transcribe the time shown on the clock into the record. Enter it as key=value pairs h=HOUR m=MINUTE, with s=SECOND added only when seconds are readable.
h=5 m=7 s=28
